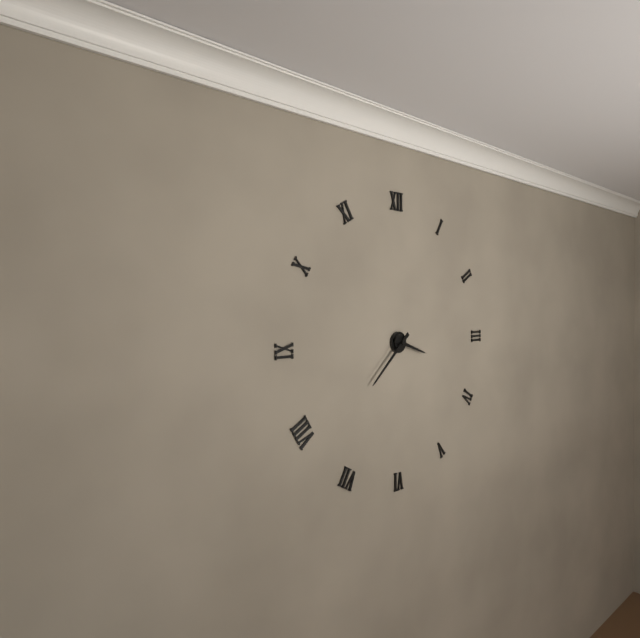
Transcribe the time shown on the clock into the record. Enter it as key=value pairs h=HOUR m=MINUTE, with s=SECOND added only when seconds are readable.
h=3 m=38
